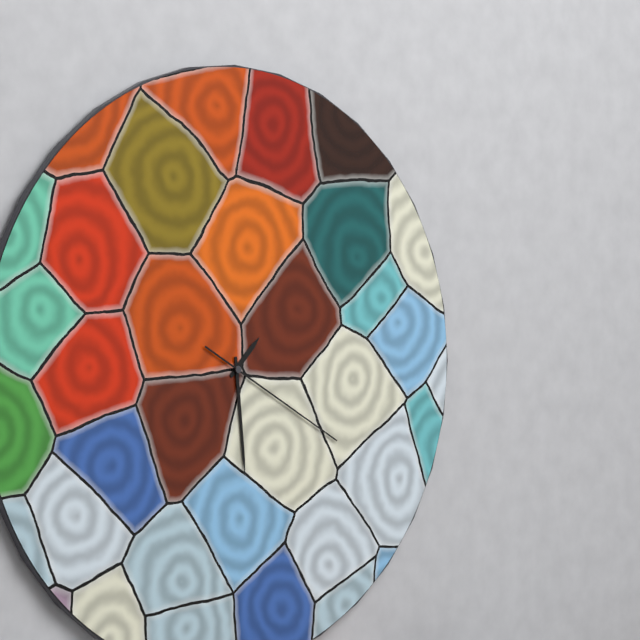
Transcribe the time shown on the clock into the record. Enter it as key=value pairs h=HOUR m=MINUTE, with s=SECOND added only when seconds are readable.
h=1 m=29 s=20
